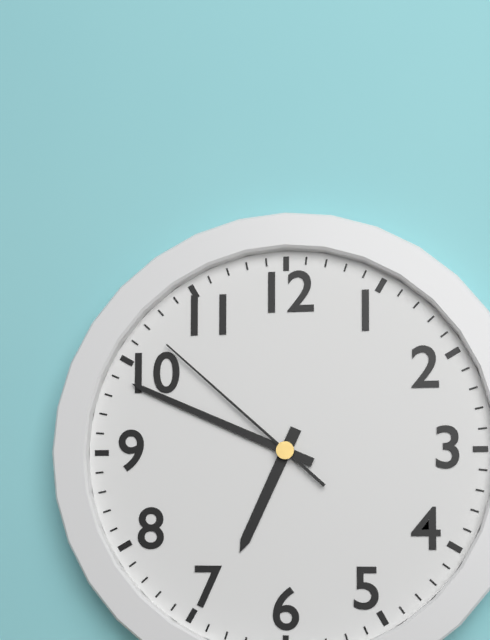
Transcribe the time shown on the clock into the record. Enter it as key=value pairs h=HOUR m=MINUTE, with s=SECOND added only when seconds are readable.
h=6 m=49 s=52
